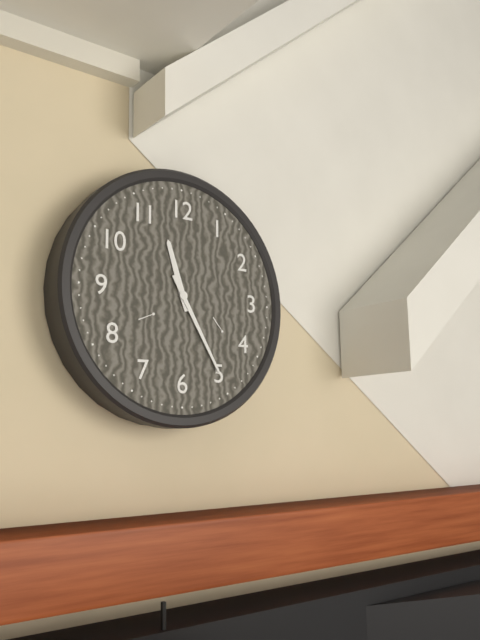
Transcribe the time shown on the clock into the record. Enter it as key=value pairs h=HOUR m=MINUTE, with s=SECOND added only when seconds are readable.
h=11 m=25
